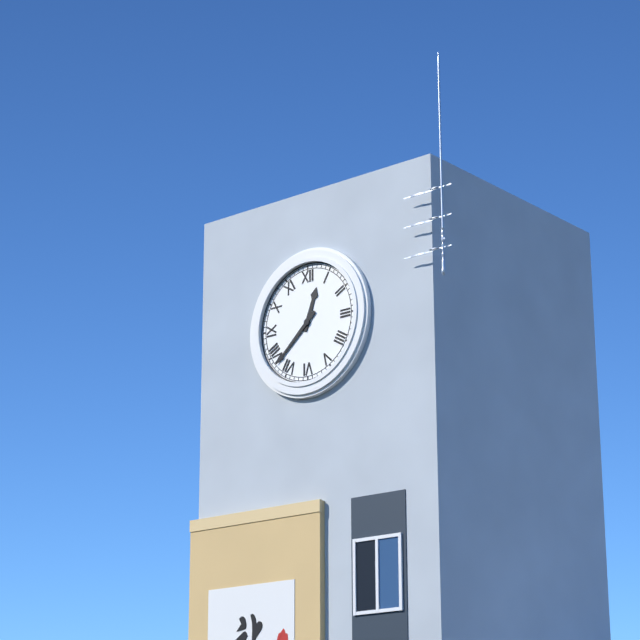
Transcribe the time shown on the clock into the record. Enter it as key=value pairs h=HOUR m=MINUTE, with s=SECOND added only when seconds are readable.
h=12 m=38
